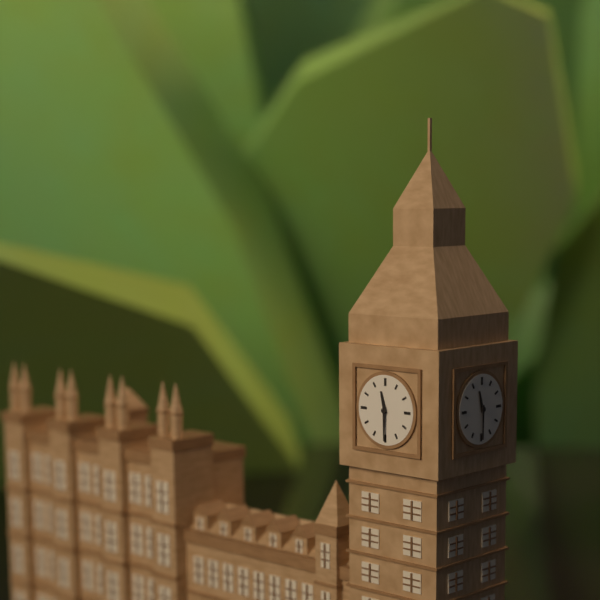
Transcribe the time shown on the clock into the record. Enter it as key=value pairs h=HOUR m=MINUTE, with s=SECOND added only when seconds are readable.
h=11 m=30
